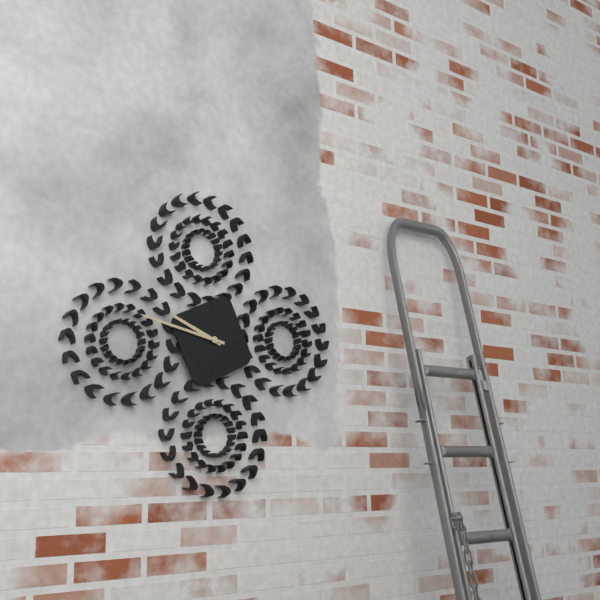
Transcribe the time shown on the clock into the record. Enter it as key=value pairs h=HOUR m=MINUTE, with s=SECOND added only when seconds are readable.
h=9 m=47
